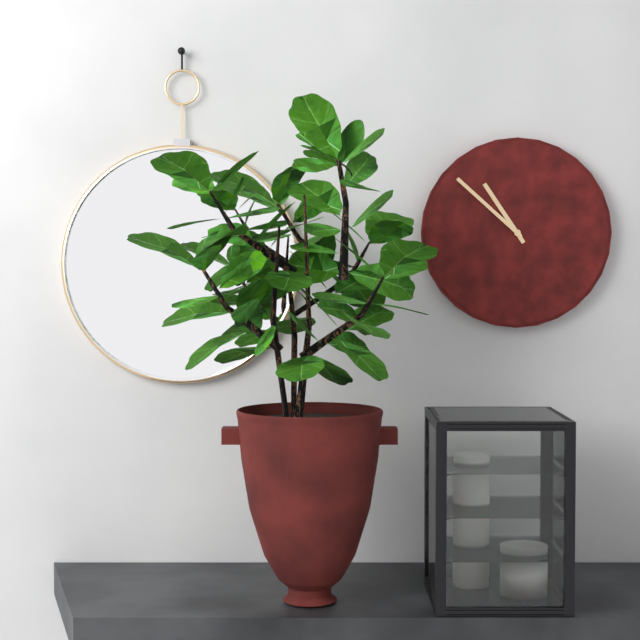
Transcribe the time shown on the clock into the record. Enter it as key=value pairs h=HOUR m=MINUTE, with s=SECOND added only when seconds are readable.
h=10 m=52
